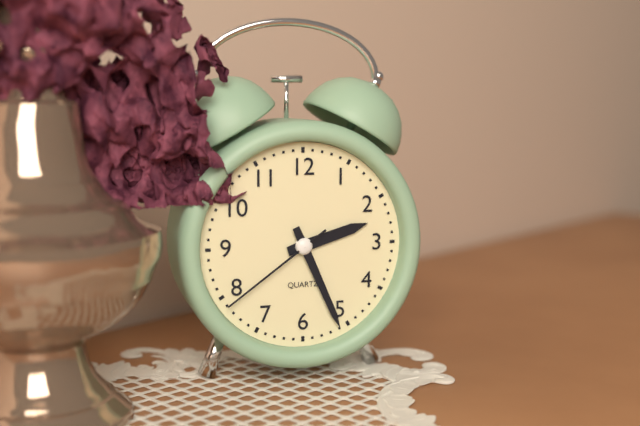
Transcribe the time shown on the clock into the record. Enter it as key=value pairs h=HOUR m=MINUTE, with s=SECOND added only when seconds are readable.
h=2 m=26 s=39
